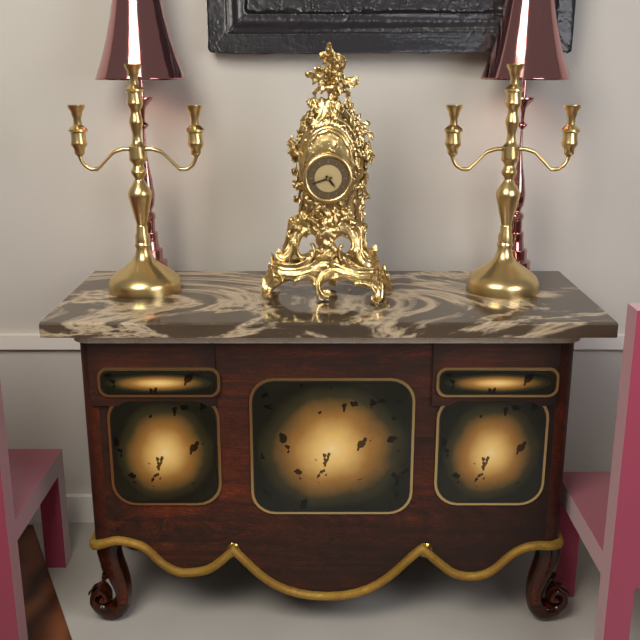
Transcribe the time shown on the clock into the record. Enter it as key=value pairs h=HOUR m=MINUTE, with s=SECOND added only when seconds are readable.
h=4 m=42
